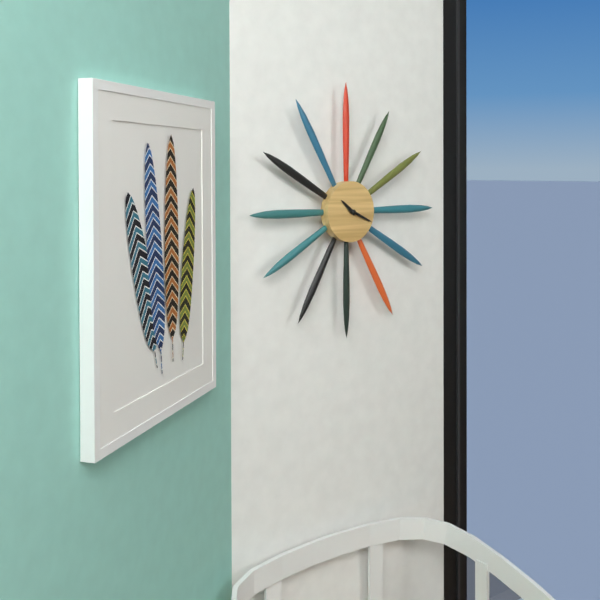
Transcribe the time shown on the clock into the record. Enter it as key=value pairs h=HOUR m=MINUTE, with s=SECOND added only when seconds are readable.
h=10 m=19
